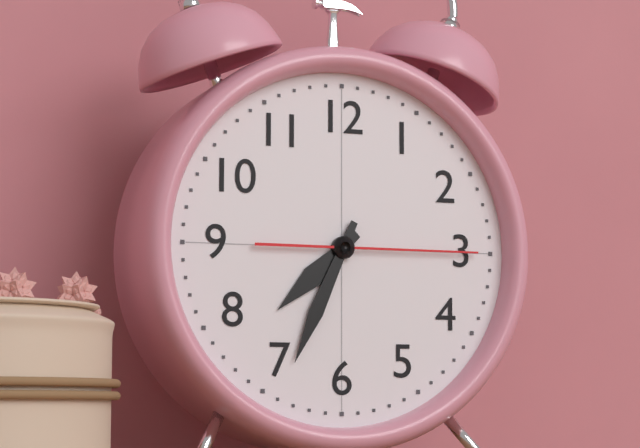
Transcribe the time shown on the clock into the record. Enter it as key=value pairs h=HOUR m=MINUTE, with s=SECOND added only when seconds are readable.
h=7 m=34 s=15
